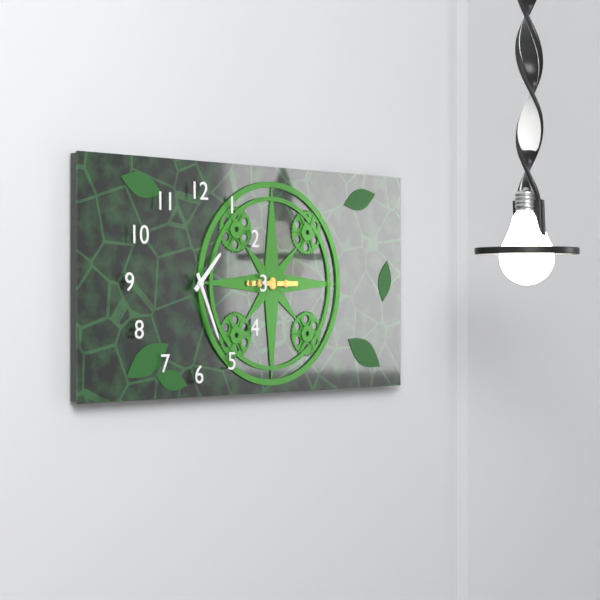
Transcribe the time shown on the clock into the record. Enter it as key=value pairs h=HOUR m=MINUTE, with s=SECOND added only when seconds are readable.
h=1 m=26
